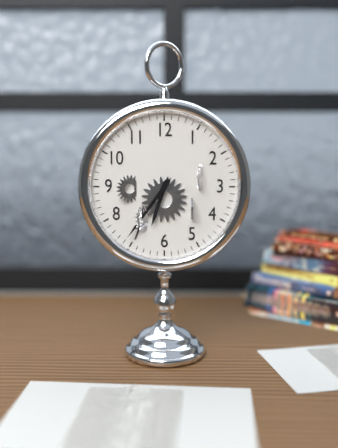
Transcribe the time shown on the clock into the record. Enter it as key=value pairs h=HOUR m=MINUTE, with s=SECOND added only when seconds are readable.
h=6 m=36
